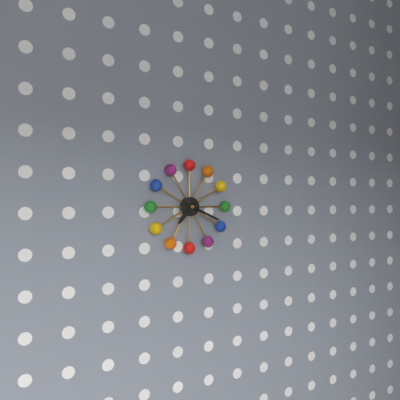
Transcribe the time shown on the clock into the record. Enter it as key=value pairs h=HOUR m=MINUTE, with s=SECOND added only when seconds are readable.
h=7 m=19
